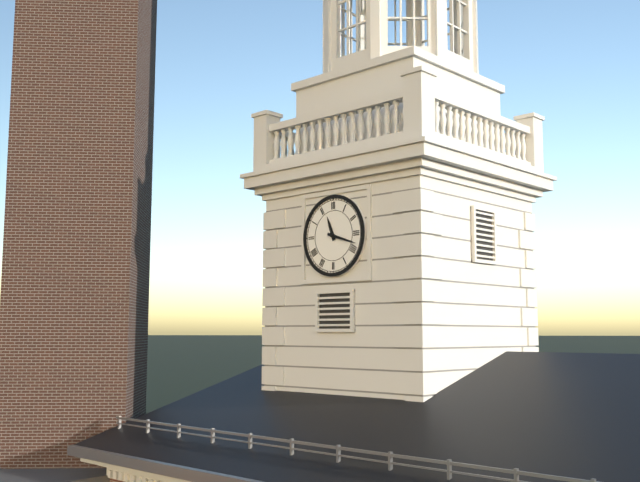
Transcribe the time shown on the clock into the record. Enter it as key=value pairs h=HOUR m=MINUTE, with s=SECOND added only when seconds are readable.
h=11 m=18
